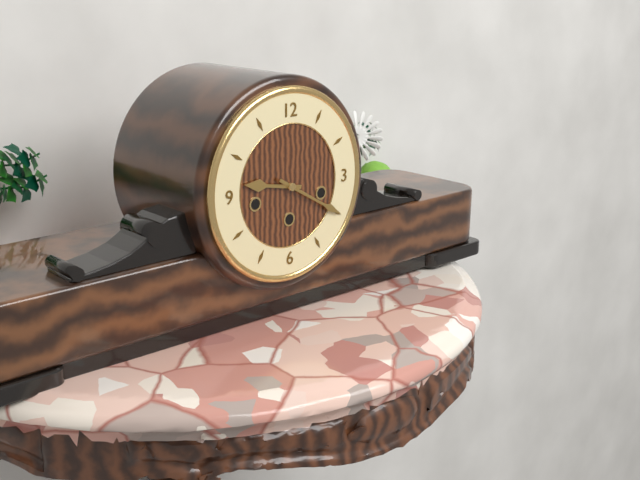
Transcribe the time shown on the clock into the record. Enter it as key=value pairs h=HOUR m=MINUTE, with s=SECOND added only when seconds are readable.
h=9 m=20
